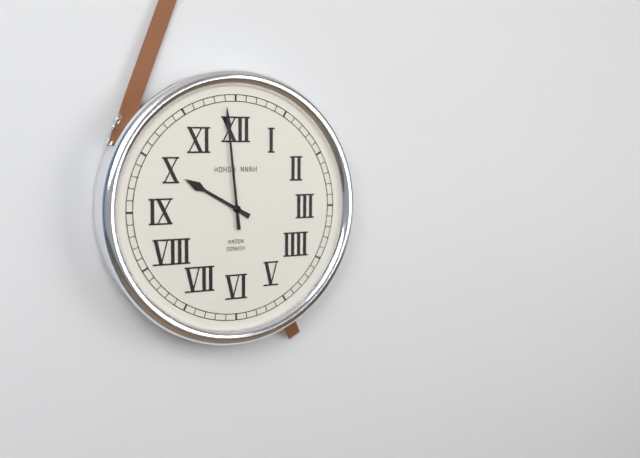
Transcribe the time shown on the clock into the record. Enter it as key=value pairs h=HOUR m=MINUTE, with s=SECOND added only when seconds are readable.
h=9 m=59
